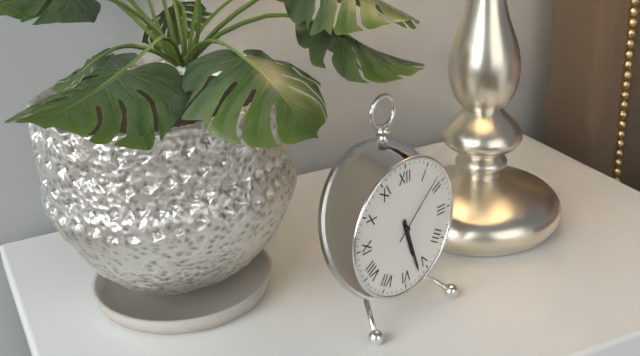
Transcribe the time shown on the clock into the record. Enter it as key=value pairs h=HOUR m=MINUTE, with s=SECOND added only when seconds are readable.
h=5 m=27 s=8
